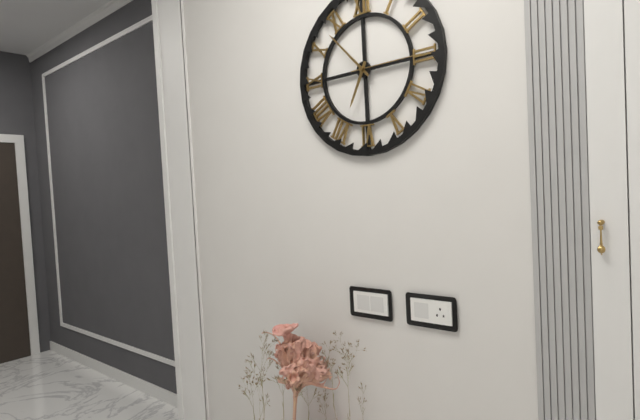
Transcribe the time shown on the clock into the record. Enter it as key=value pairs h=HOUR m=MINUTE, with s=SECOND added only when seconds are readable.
h=6 m=53 s=15
